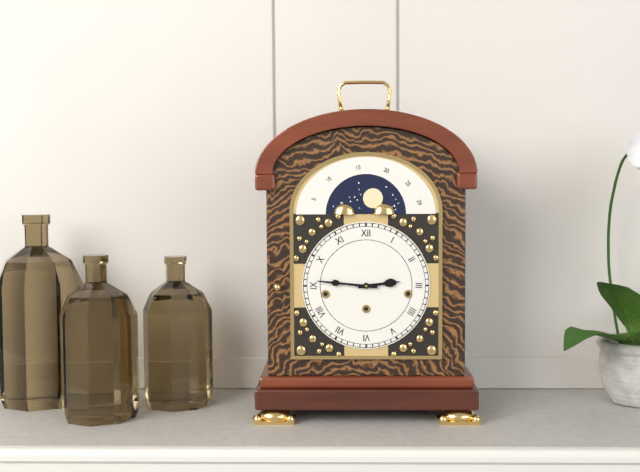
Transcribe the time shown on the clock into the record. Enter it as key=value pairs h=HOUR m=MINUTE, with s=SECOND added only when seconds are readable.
h=2 m=46
